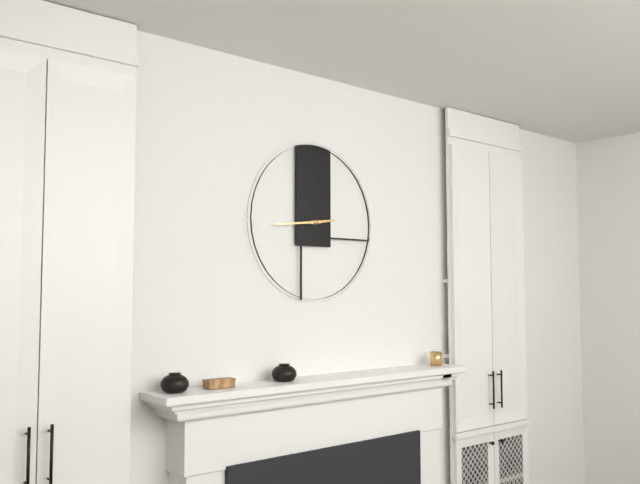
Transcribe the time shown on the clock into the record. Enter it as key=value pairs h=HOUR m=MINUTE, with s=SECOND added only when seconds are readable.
h=2 m=44
